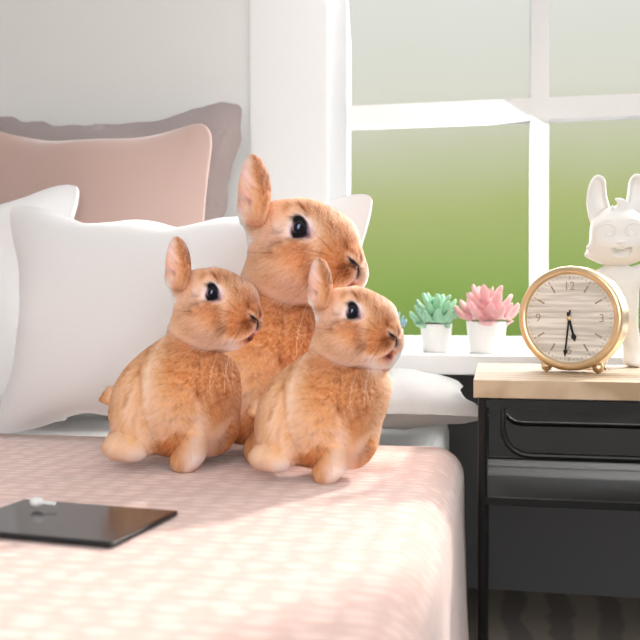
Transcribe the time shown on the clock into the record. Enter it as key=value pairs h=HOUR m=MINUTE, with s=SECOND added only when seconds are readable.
h=5 m=31
